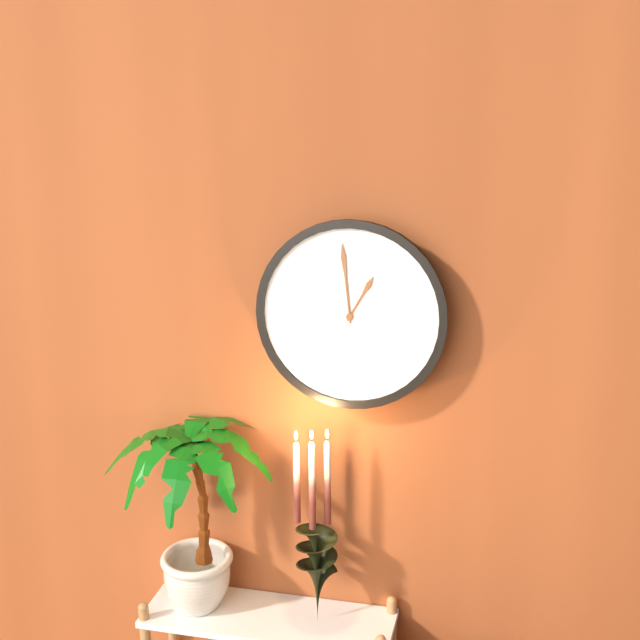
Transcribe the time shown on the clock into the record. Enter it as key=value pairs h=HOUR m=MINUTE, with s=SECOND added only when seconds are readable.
h=12 m=59
